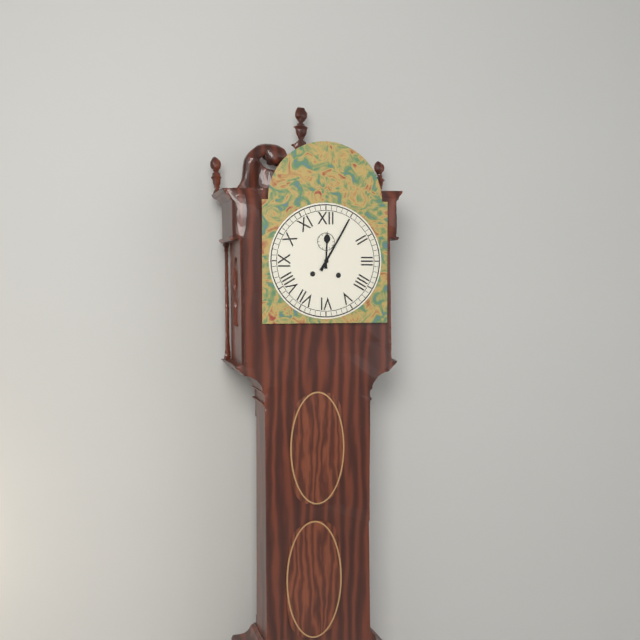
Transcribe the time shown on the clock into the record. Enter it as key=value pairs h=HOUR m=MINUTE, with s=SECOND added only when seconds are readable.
h=12 m=5
